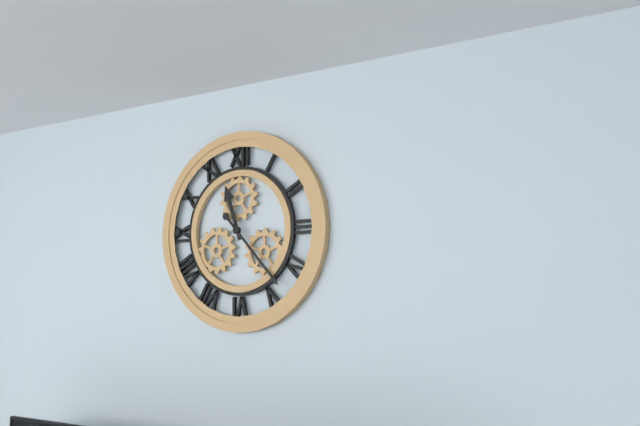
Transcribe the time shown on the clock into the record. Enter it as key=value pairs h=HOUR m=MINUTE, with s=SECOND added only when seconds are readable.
h=11 m=23
